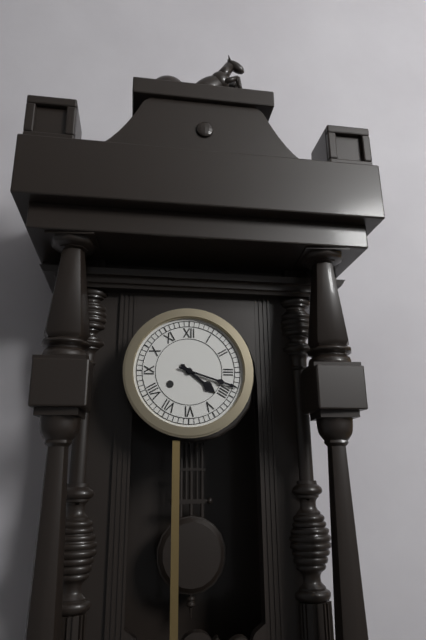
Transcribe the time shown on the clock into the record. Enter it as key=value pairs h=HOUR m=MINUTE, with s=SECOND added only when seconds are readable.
h=4 m=18
